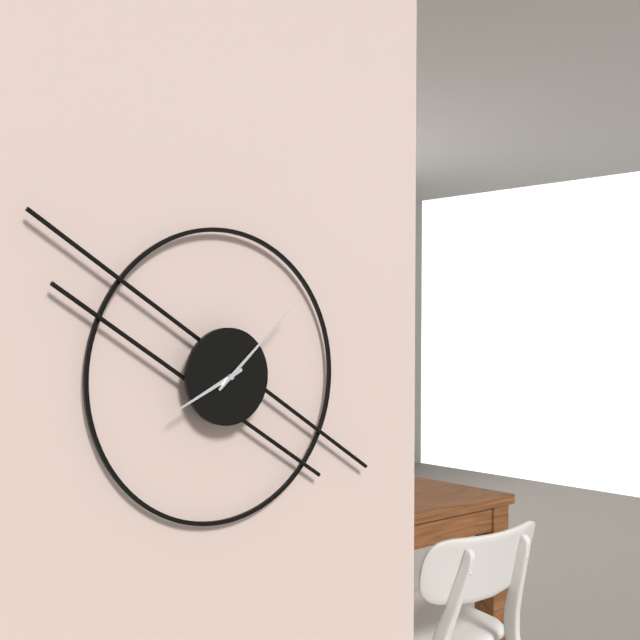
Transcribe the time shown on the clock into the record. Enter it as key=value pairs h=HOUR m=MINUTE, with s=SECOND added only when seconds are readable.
h=8 m=8
